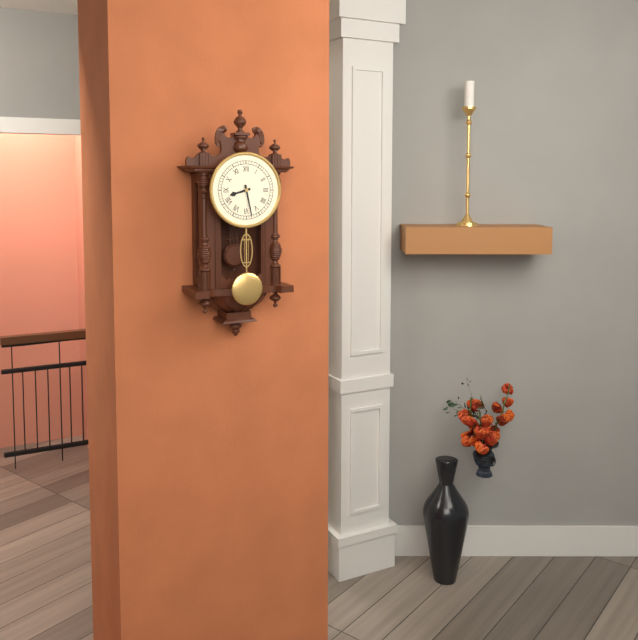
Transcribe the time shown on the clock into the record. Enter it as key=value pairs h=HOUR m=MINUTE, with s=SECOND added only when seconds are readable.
h=8 m=28
